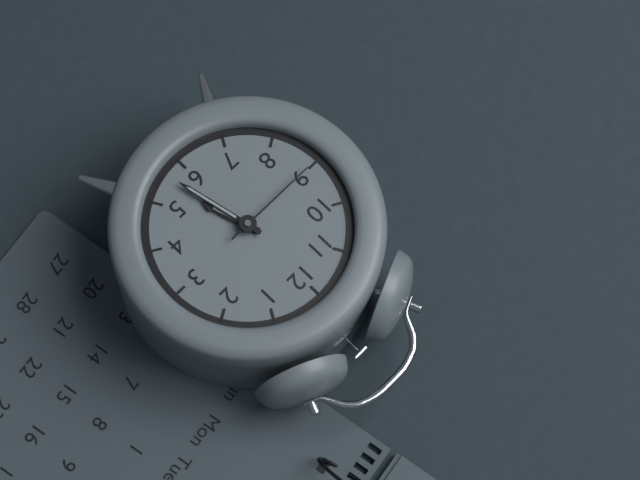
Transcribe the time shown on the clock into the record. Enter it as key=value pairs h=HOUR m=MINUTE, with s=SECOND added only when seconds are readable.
h=5 m=28 s=45
